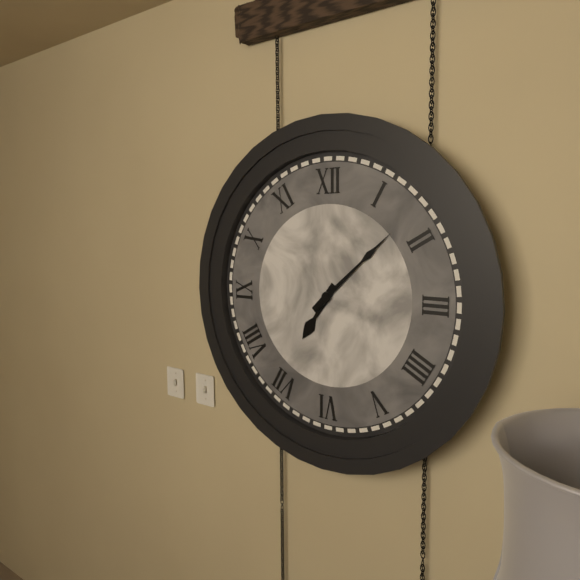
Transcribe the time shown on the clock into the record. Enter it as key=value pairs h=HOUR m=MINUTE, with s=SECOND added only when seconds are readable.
h=7 m=8
